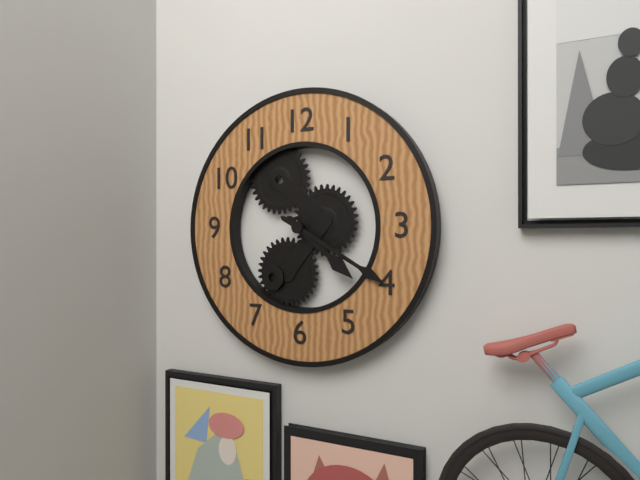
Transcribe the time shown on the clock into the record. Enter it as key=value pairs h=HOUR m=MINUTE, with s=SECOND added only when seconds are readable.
h=4 m=20
